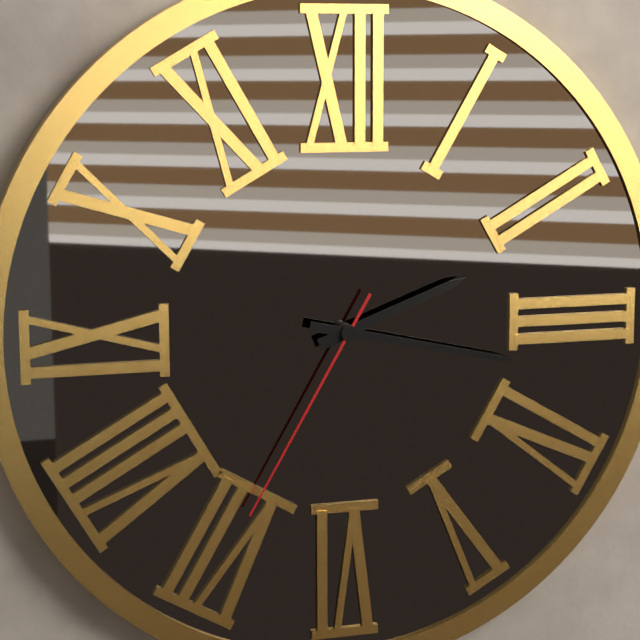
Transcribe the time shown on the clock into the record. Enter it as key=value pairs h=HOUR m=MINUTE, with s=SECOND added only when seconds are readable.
h=2 m=17 s=35
